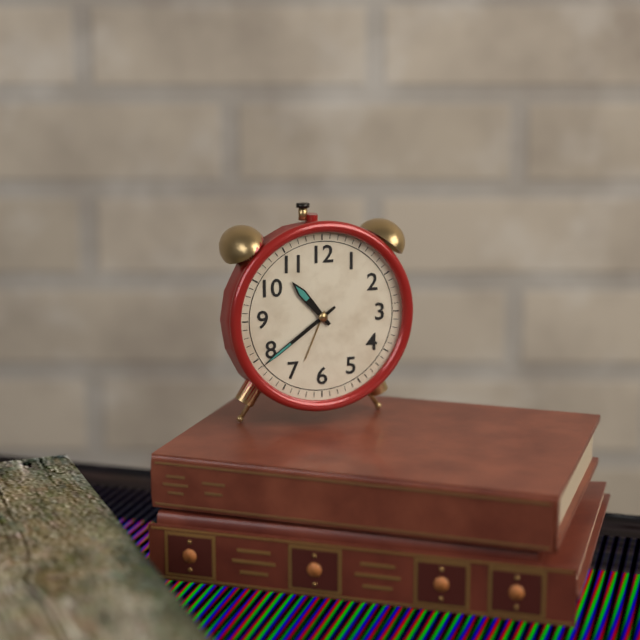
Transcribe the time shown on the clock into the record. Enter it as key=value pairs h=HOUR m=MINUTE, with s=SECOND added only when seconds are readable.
h=10 m=39
